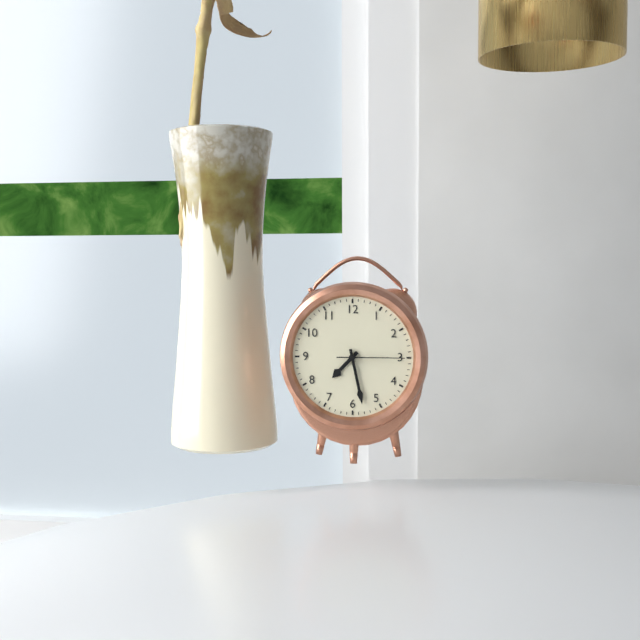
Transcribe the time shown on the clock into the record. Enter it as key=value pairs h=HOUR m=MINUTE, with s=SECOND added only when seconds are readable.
h=7 m=28 s=15
